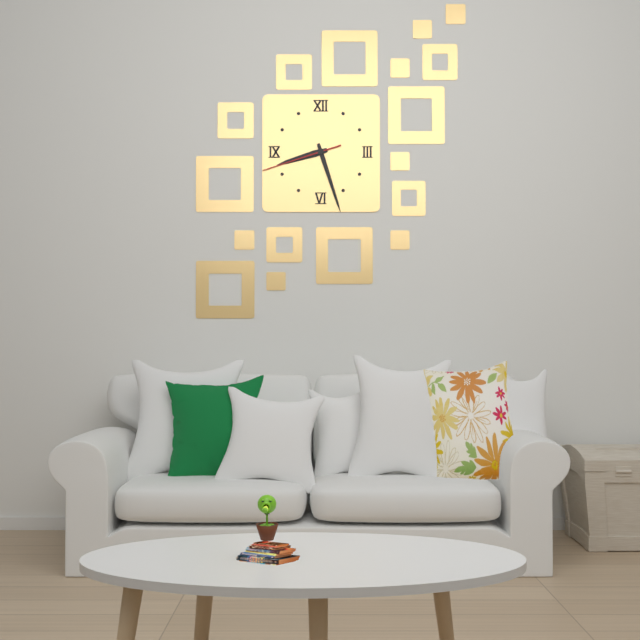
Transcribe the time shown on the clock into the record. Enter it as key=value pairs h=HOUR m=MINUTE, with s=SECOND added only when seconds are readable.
h=8 m=27 s=42
